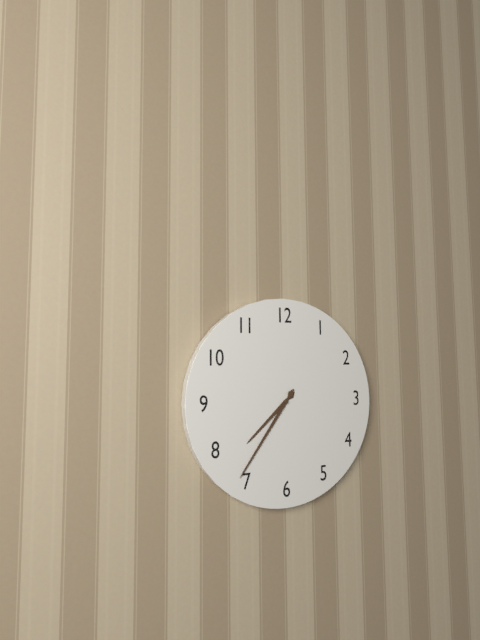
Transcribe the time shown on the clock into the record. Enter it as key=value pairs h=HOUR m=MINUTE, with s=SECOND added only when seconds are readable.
h=7 m=36
